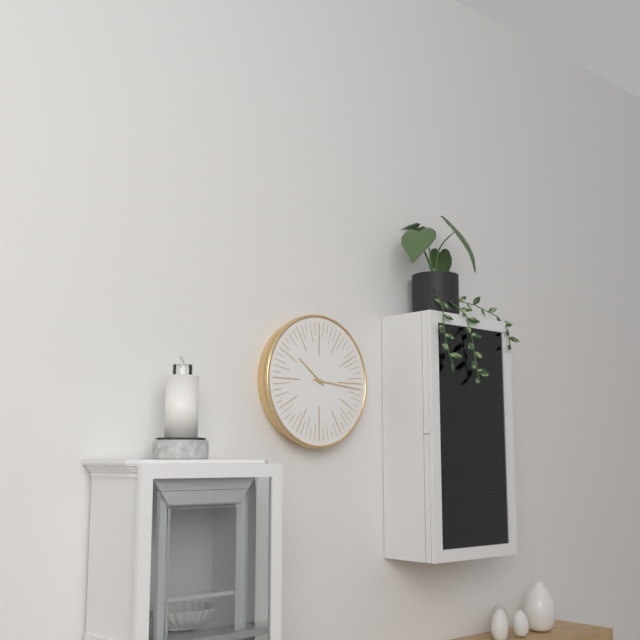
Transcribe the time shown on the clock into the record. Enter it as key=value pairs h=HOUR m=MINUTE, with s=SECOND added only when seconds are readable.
h=10 m=16
